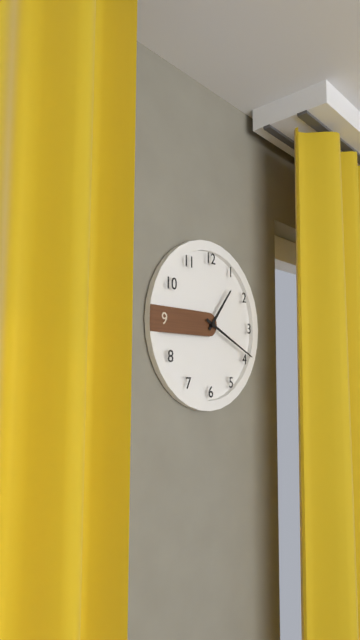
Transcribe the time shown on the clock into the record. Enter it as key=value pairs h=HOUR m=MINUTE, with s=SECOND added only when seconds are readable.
h=1 m=19
